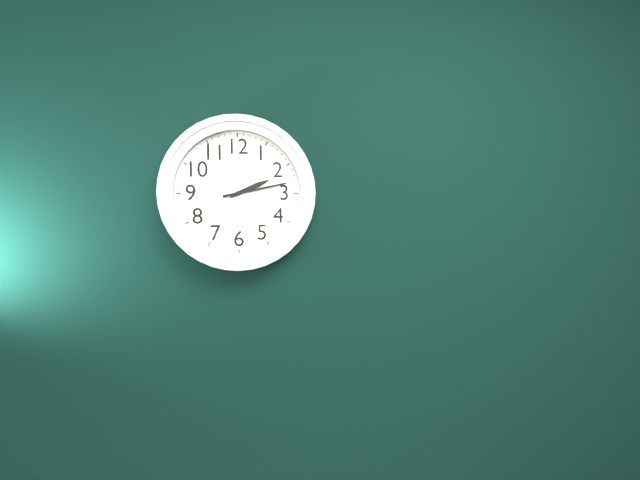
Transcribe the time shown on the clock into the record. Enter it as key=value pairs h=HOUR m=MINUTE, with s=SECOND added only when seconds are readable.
h=2 m=13
